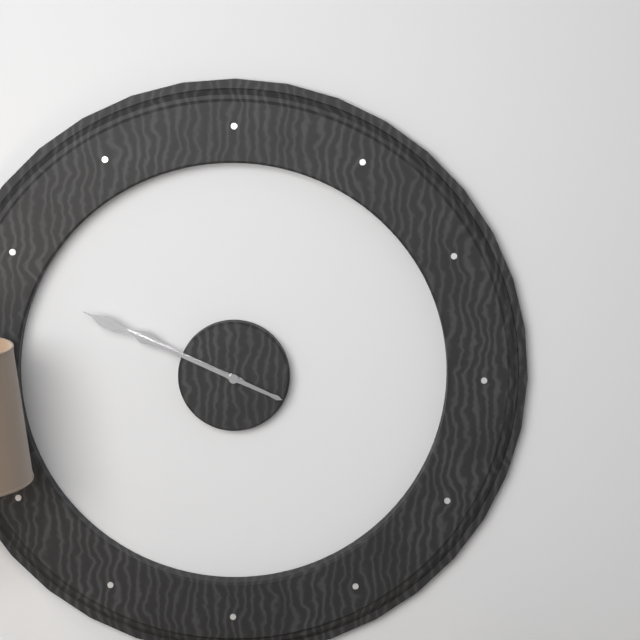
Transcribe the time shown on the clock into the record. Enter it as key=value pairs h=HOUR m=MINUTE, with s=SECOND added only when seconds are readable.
h=9 m=49
